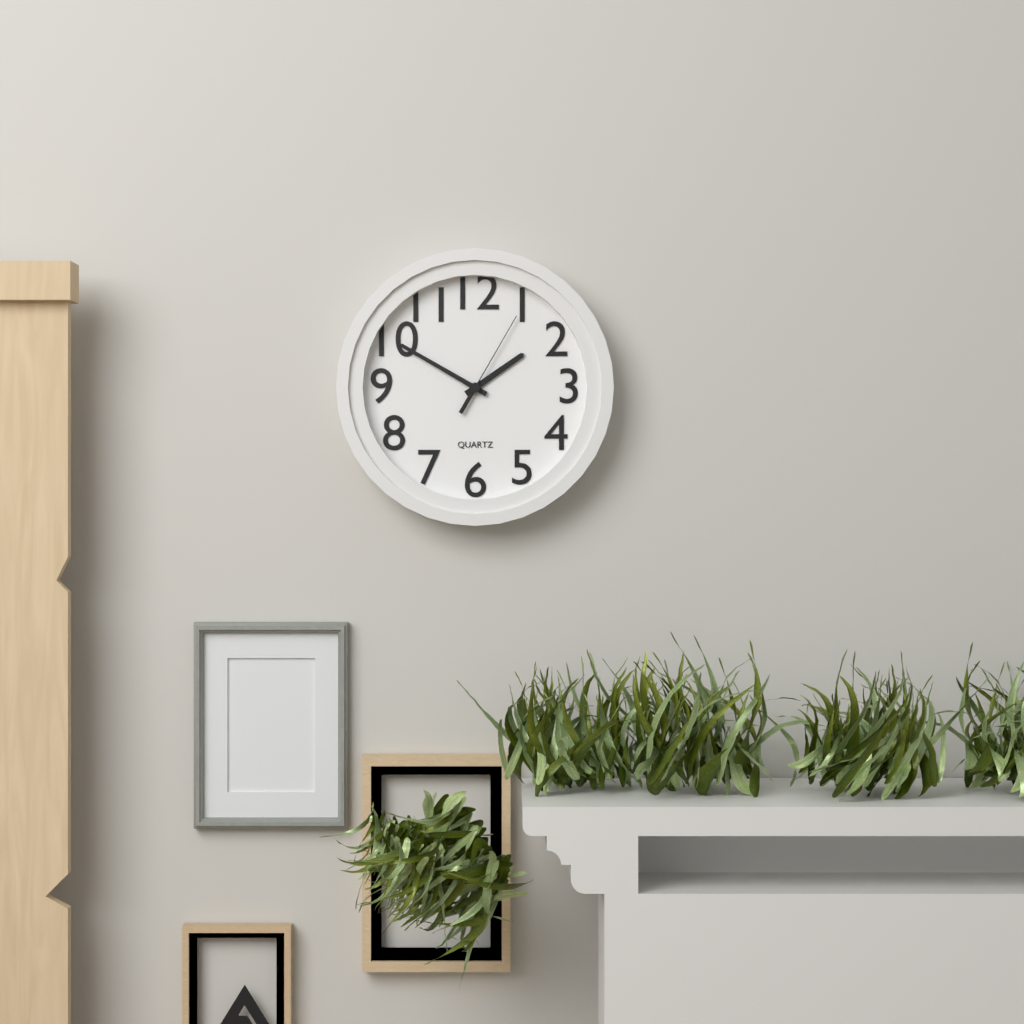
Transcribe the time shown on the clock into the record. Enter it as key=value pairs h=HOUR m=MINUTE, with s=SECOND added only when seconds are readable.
h=1 m=50 s=5
